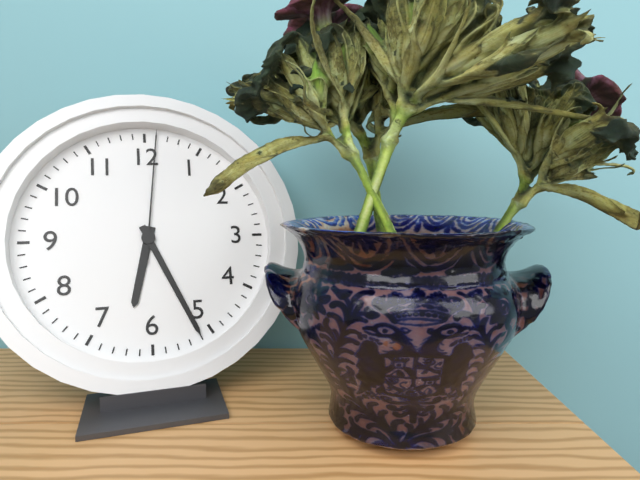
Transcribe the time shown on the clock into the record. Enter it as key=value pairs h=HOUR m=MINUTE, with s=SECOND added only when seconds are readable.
h=6 m=26 s=1
